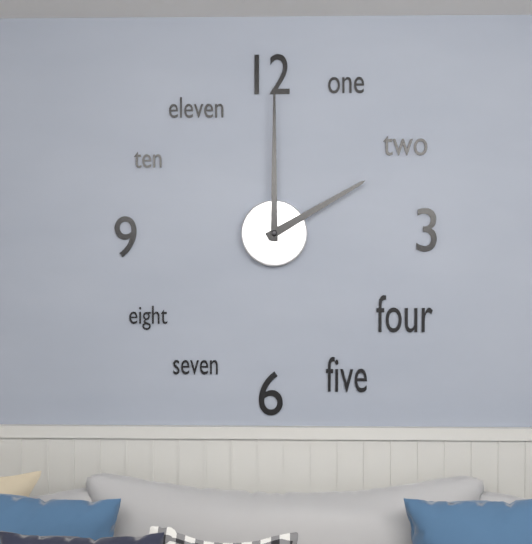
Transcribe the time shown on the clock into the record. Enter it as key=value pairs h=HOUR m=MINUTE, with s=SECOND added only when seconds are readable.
h=2 m=0
